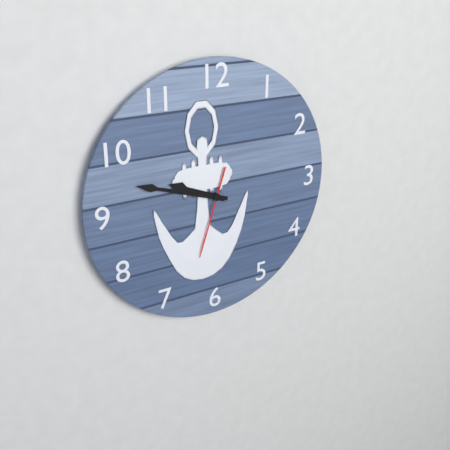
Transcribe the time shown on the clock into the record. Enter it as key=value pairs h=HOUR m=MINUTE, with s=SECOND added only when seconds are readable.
h=9 m=48 s=33
